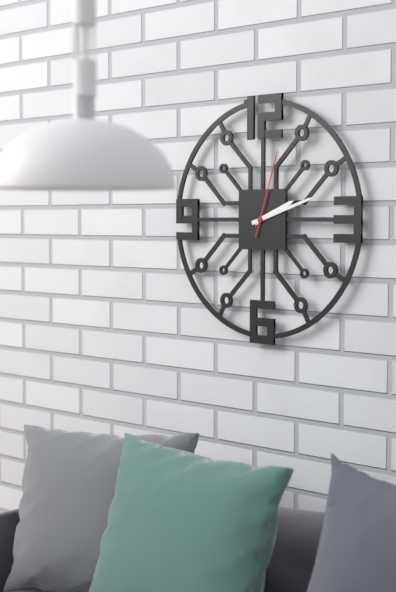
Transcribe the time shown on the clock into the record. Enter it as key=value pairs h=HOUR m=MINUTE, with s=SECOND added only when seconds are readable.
h=2 m=12 s=3
